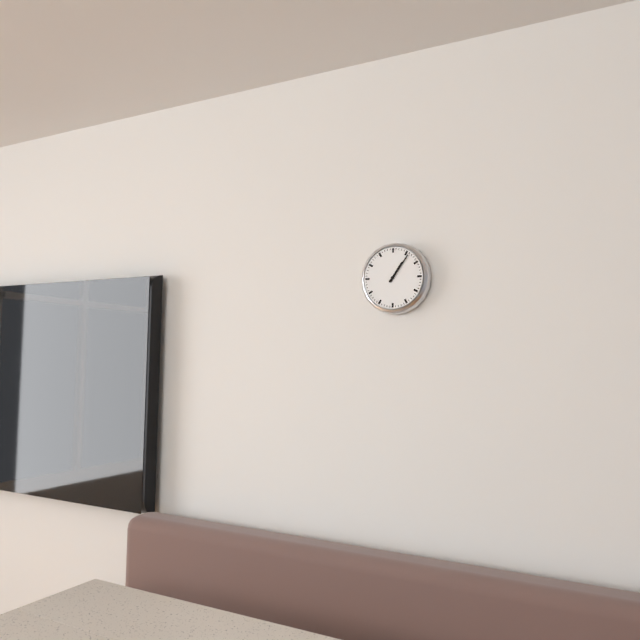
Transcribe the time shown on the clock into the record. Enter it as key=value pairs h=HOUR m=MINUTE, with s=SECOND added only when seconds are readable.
h=1 m=6
